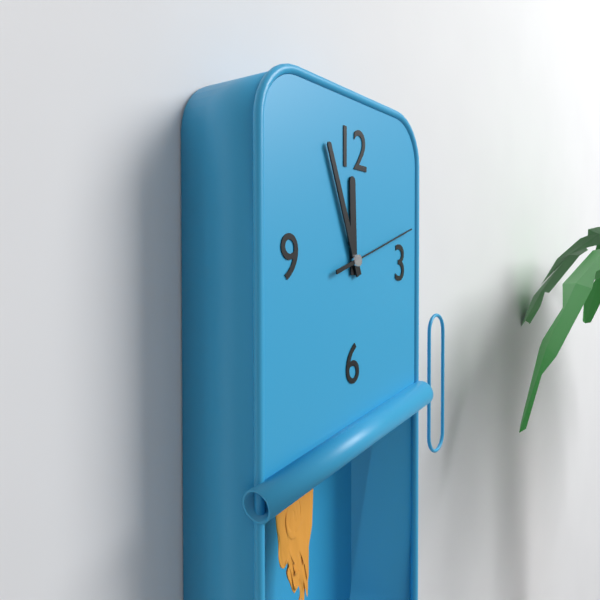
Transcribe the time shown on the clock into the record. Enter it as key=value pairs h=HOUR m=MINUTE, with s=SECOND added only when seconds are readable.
h=11 m=56 s=12
